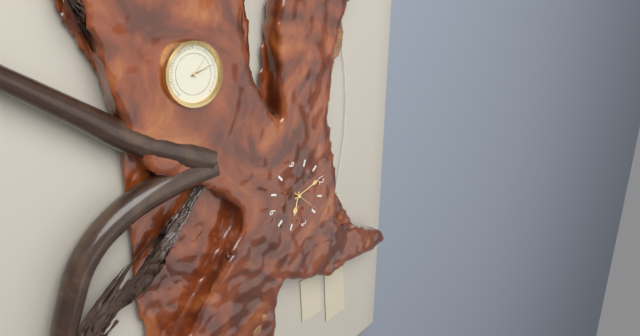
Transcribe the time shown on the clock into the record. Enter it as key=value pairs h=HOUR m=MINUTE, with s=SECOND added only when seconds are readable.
h=3 m=59
